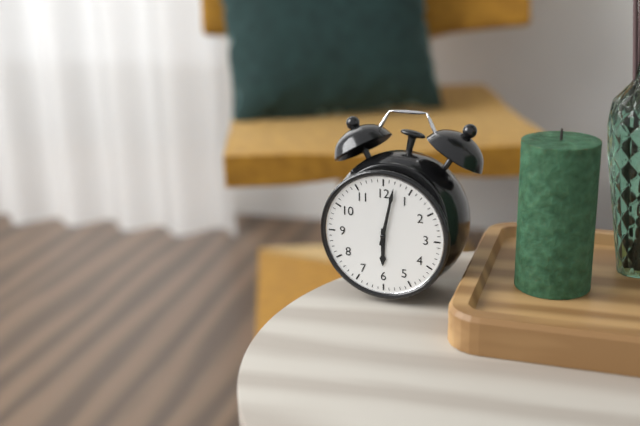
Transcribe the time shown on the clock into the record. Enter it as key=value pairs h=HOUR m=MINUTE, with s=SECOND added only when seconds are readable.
h=6 m=2
